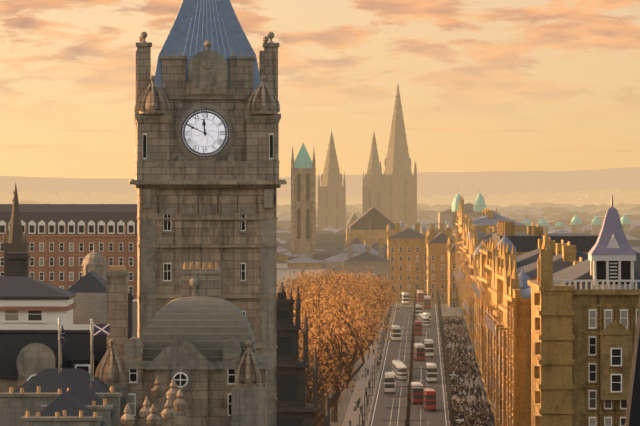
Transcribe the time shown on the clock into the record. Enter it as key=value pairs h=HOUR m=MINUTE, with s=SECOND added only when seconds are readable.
h=11 m=49
